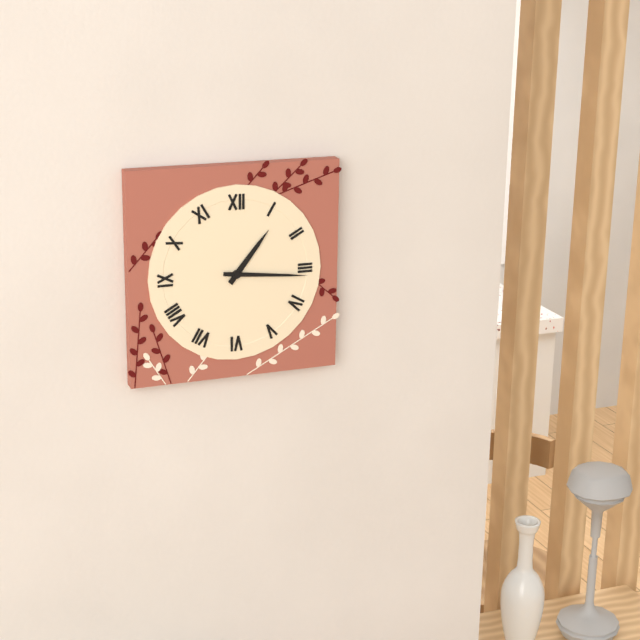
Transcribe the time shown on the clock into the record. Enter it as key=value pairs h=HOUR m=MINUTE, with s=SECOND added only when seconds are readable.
h=1 m=16
